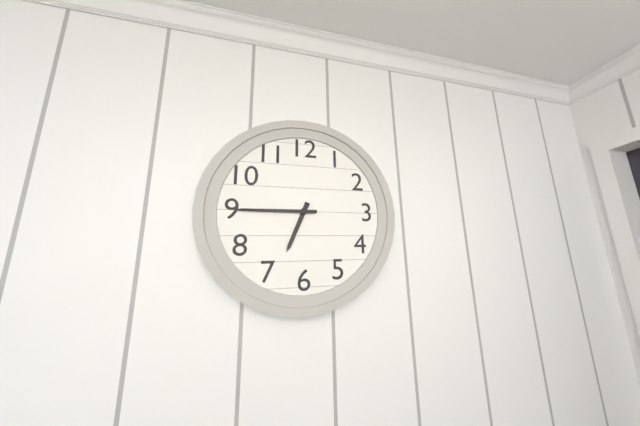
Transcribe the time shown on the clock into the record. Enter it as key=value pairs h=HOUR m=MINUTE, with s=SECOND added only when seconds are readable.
h=6 m=45
